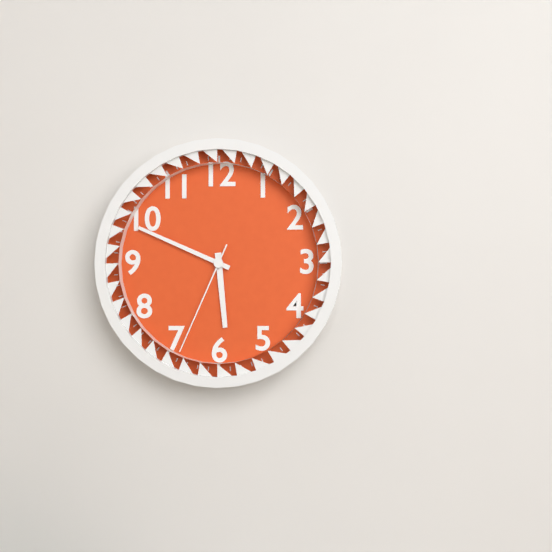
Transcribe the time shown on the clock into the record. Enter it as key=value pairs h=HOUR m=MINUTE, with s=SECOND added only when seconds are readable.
h=5 m=49 s=34
